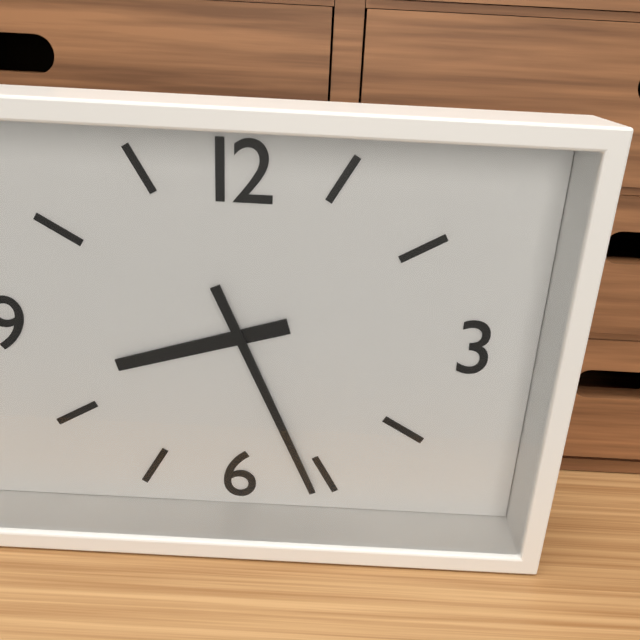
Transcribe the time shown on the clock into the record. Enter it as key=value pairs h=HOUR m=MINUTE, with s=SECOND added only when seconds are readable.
h=8 m=26
